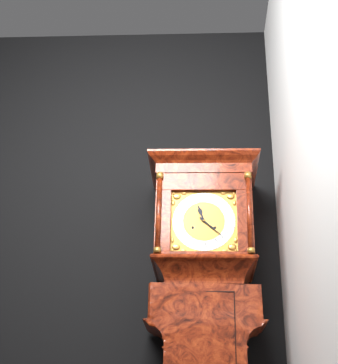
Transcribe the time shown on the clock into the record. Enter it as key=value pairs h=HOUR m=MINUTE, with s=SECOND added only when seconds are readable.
h=11 m=22
